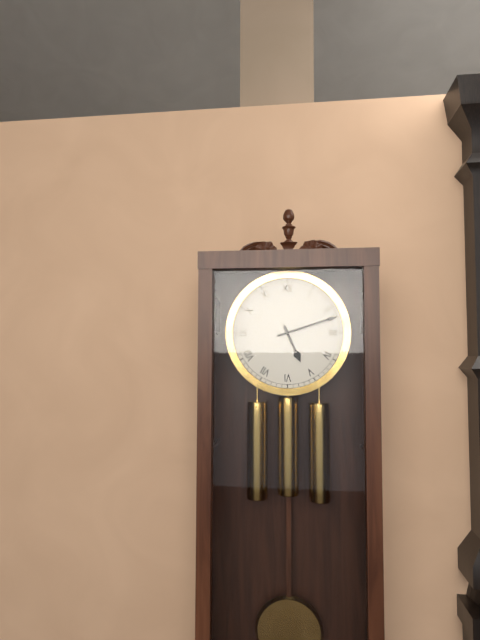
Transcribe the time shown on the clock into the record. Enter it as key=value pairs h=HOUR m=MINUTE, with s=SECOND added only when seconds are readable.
h=5 m=12
